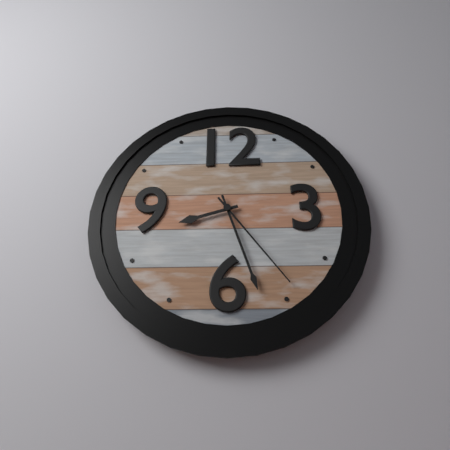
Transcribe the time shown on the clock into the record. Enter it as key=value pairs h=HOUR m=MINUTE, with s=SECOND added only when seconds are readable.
h=8 m=27 s=24
